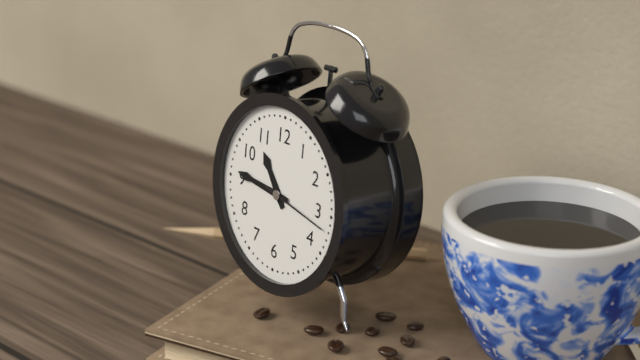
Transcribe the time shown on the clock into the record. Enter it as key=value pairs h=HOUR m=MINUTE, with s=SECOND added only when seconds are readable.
h=10 m=46 s=17
